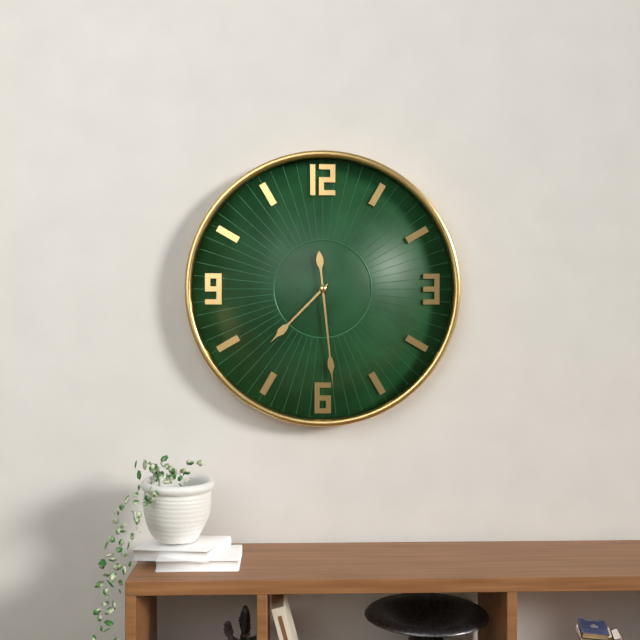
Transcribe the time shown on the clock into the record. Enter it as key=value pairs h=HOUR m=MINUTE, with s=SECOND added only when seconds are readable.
h=7 m=29
